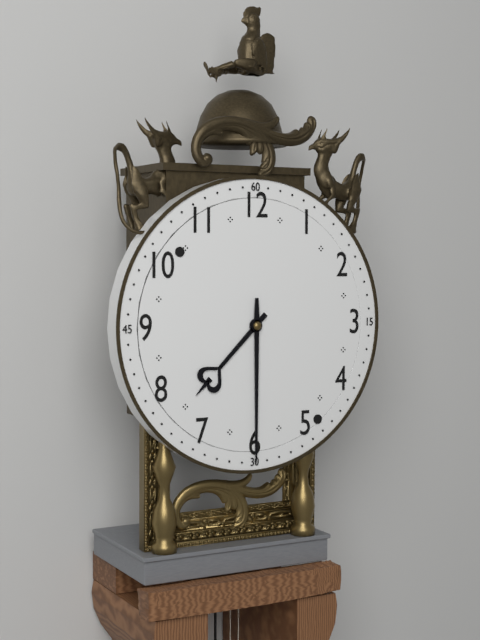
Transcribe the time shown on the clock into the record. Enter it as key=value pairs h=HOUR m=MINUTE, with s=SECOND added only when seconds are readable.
h=7 m=30
